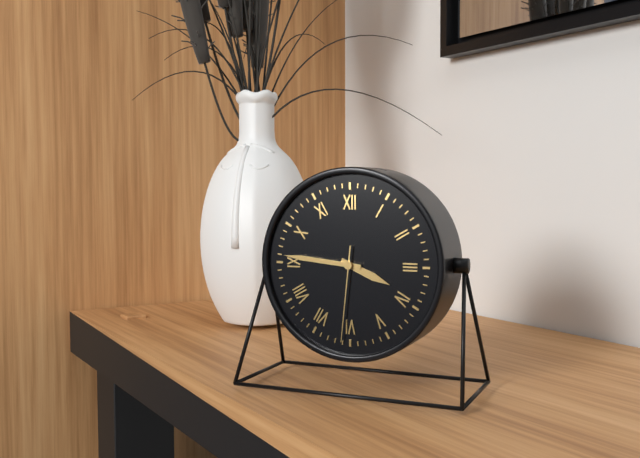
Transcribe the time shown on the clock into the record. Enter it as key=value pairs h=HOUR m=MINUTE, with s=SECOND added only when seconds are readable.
h=3 m=46 s=31
